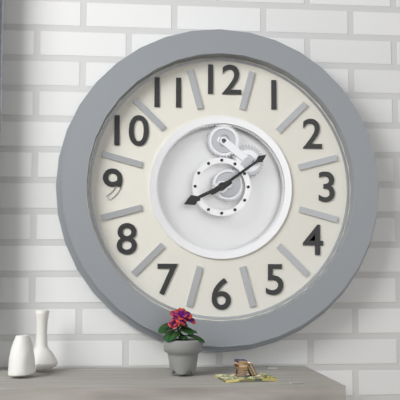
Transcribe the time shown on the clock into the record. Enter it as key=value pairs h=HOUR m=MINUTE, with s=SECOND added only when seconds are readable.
h=8 m=9
